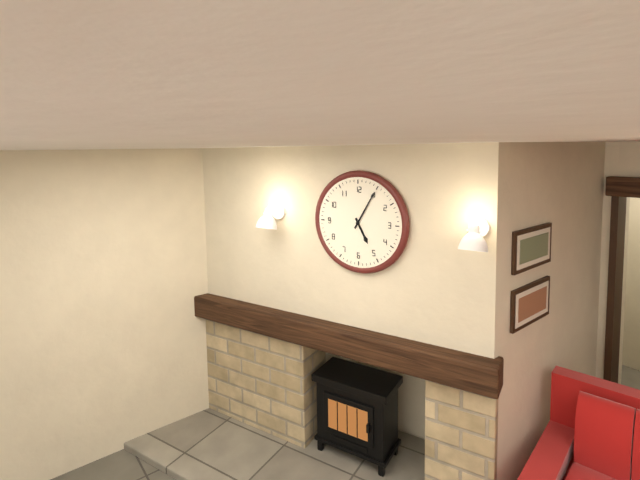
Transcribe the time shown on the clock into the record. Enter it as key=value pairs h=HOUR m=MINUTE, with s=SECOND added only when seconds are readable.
h=5 m=5
